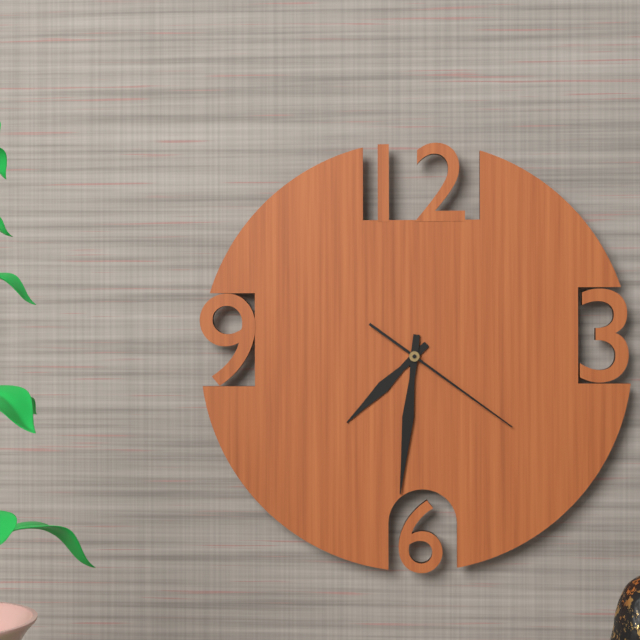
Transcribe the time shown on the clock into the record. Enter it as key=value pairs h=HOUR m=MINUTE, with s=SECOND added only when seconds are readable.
h=7 m=31 s=21
